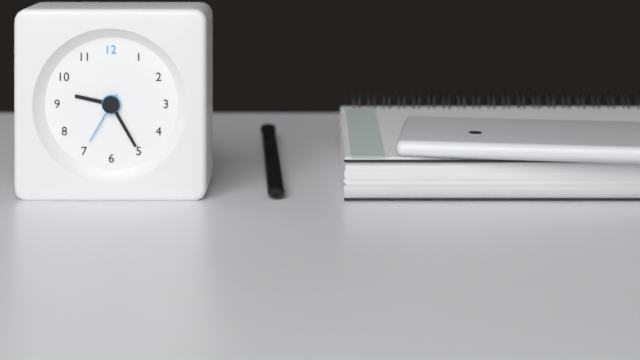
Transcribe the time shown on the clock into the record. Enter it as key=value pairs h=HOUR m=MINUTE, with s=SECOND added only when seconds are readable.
h=9 m=25 s=35
